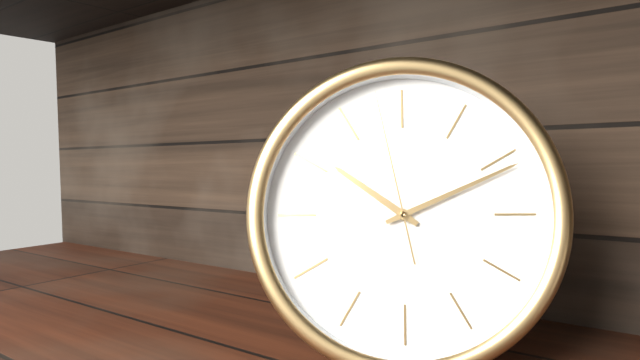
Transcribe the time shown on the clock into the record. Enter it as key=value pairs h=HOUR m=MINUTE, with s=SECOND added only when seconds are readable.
h=10 m=11 s=58
